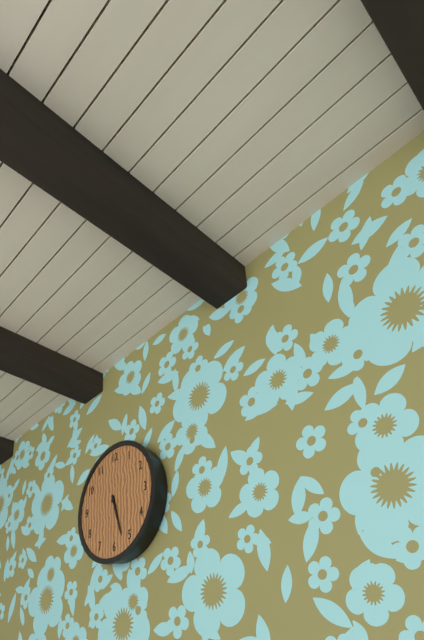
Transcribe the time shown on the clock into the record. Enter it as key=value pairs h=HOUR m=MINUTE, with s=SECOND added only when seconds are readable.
h=5 m=27
